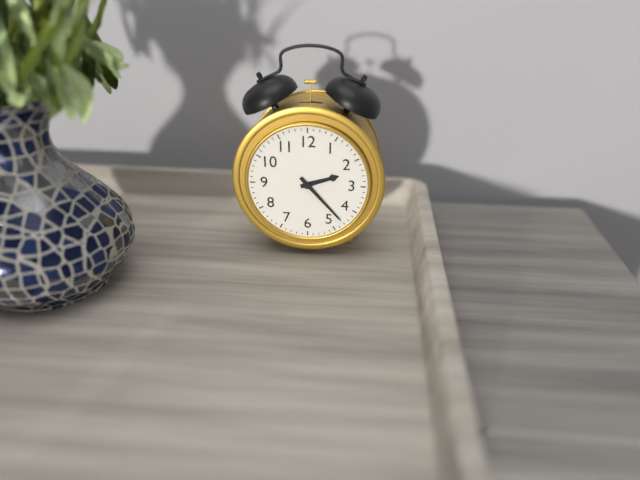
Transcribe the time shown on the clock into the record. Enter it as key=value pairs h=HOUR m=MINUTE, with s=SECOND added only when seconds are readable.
h=2 m=23
